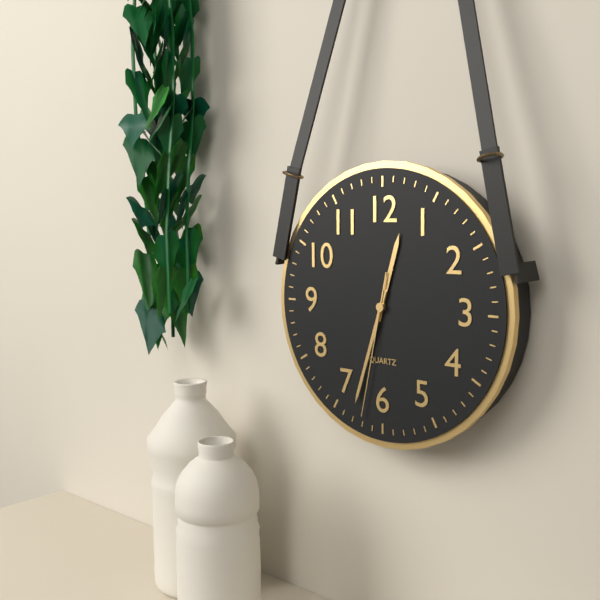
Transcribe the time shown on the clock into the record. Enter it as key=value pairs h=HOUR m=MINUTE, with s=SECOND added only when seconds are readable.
h=12 m=33 s=32
